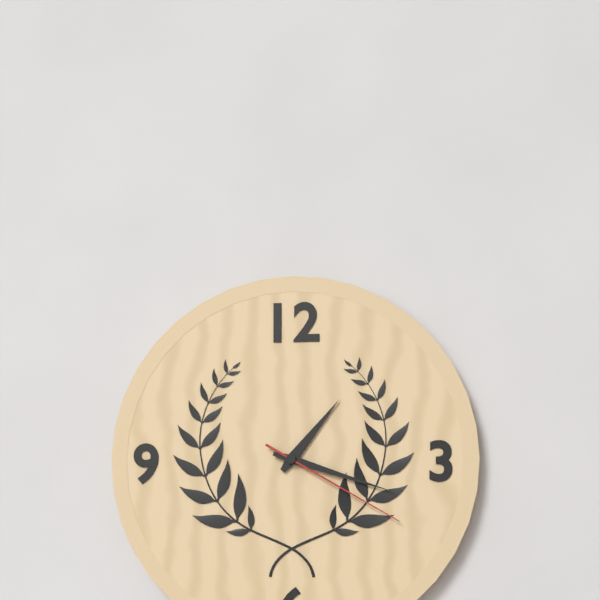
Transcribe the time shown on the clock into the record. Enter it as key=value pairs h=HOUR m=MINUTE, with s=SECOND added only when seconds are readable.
h=1 m=18 s=20
